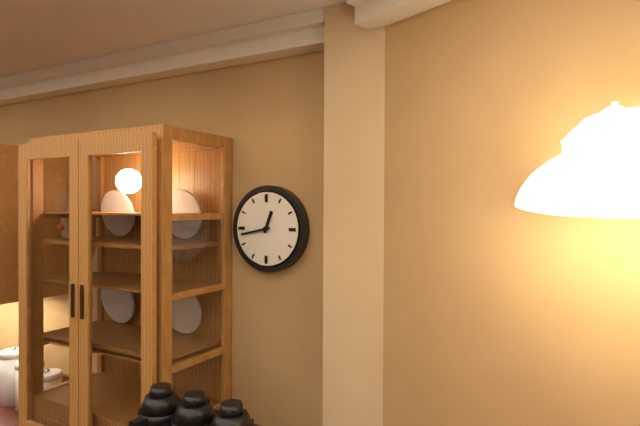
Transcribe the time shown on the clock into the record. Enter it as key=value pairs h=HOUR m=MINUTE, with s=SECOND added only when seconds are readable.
h=12 m=43
